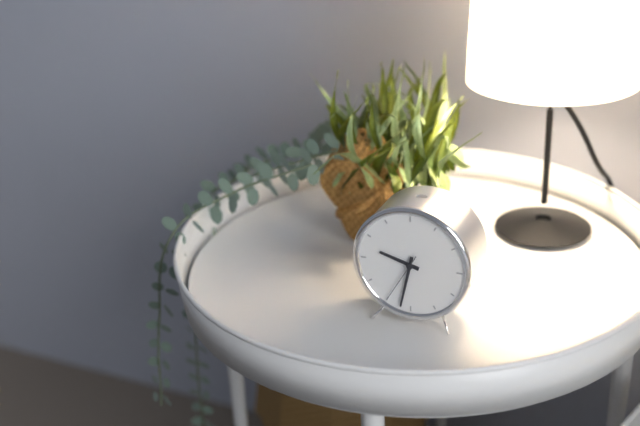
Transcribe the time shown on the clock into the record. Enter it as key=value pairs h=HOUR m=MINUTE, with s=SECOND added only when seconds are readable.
h=9 m=32
